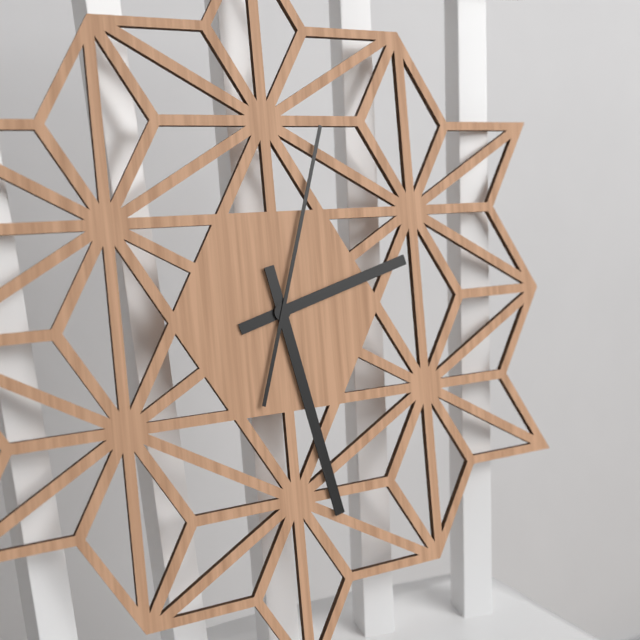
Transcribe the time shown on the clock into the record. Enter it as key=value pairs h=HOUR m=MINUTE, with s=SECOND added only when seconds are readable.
h=2 m=28 s=3
